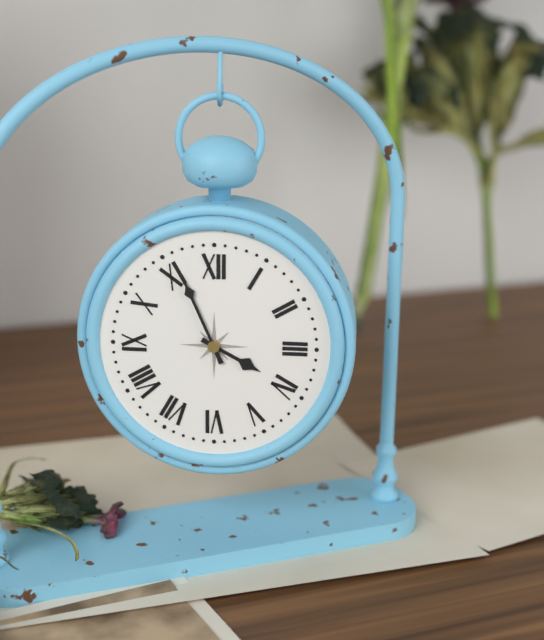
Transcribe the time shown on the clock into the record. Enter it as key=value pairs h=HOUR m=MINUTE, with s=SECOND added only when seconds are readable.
h=3 m=56
